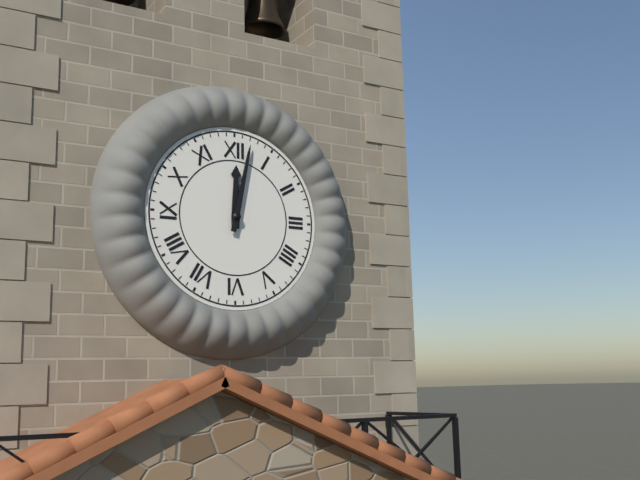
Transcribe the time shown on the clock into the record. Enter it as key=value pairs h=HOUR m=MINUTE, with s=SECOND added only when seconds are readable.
h=12 m=2
